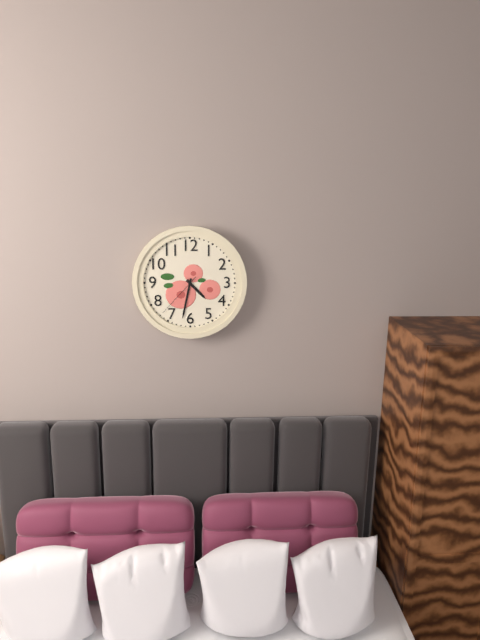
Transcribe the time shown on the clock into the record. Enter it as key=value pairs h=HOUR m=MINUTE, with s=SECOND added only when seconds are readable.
h=4 m=32 s=37
